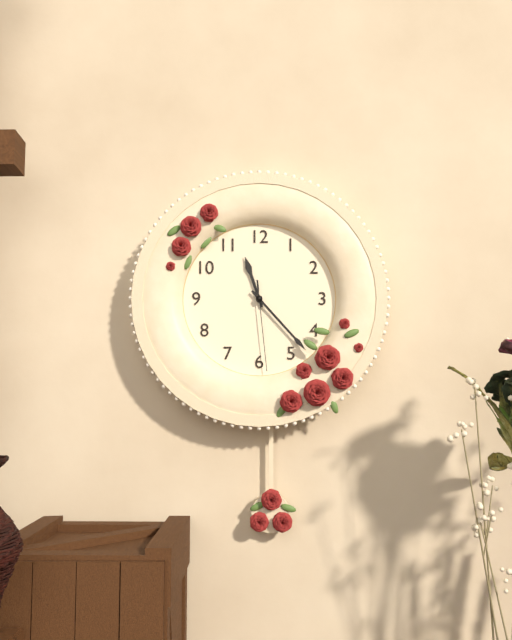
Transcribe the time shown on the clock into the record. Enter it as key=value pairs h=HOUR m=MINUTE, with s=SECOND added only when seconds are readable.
h=11 m=23 s=29
